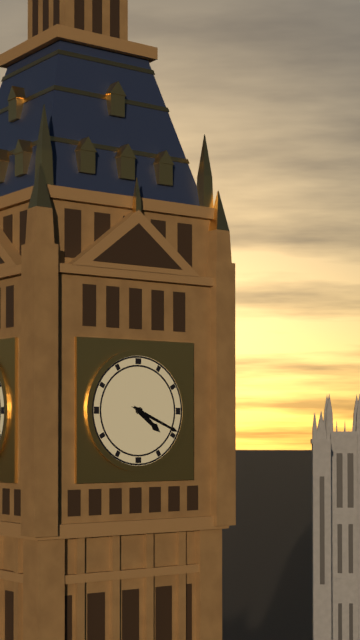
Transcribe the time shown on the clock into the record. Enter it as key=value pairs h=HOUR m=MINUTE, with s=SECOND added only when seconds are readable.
h=4 m=19
